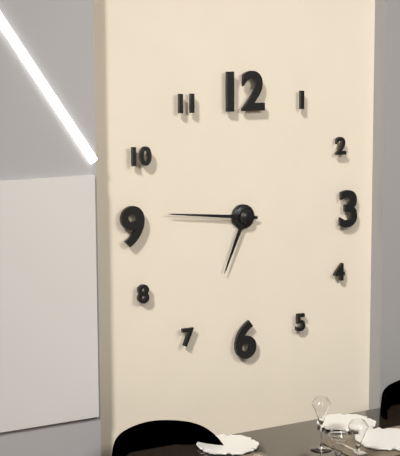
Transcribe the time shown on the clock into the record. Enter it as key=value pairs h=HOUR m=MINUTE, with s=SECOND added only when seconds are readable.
h=6 m=46
